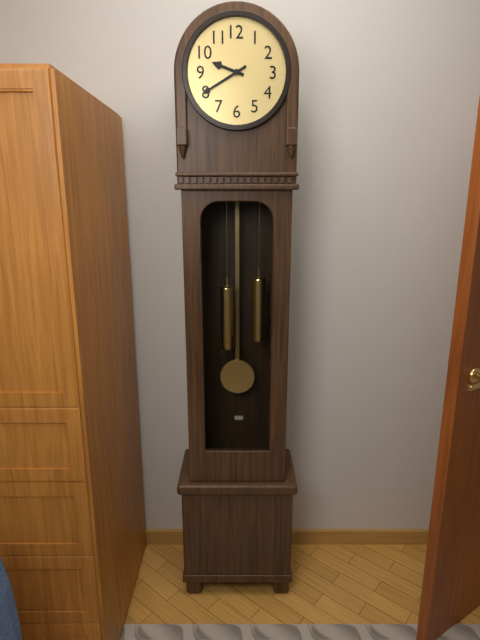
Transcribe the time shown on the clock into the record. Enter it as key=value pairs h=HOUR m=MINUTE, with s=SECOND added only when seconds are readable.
h=9 m=40
